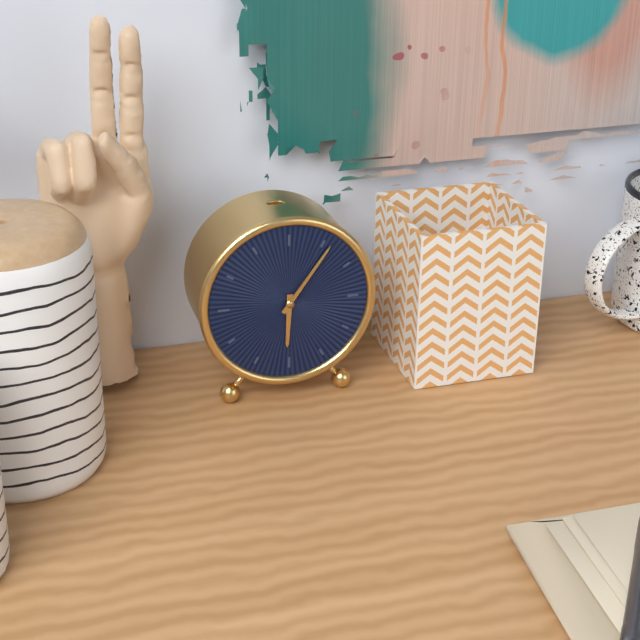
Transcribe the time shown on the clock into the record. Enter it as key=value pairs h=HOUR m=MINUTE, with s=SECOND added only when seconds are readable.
h=6 m=6
